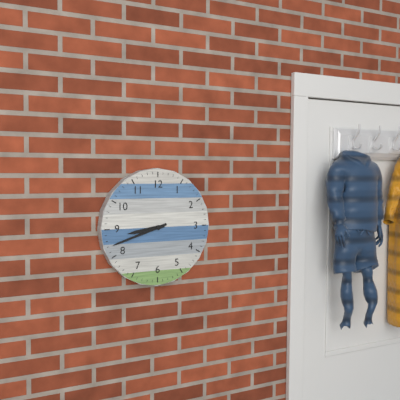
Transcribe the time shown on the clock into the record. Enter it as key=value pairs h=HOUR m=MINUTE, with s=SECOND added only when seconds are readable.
h=8 m=42
